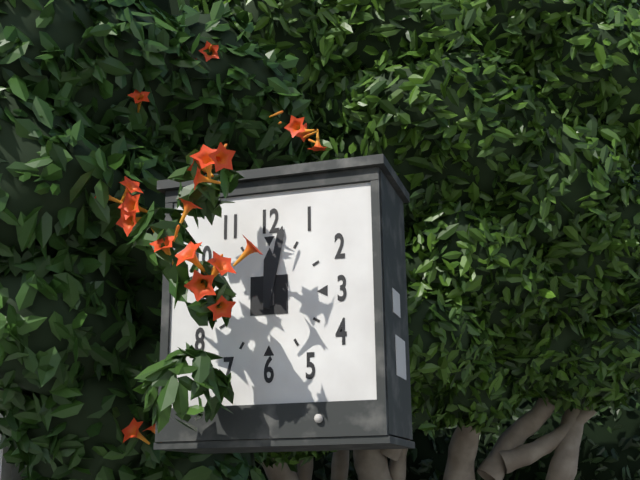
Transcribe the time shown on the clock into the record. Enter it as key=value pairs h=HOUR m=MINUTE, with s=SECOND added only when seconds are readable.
h=12 m=2
